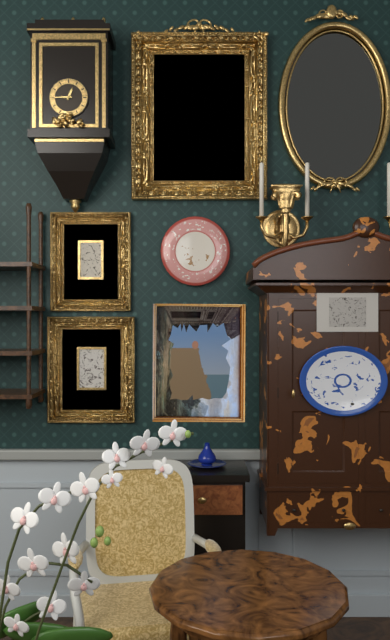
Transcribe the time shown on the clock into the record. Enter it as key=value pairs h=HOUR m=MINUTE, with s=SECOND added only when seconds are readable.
h=12 m=45
